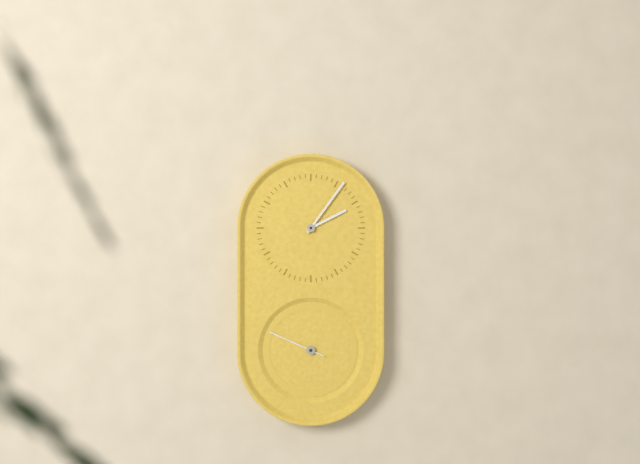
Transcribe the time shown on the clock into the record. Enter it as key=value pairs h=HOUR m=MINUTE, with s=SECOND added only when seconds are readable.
h=2 m=6 s=49
